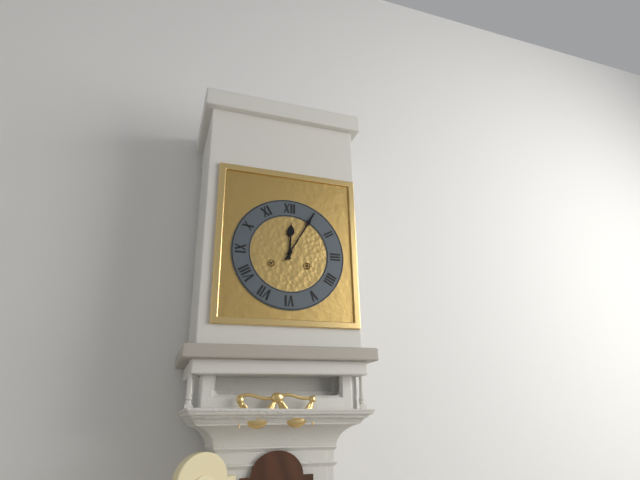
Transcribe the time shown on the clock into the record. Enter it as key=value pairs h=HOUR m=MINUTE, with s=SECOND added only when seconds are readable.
h=12 m=5
